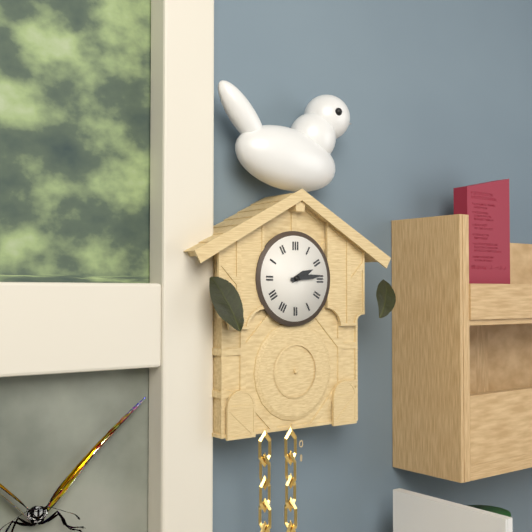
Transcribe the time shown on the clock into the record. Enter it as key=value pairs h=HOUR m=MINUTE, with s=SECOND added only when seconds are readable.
h=2 m=14
